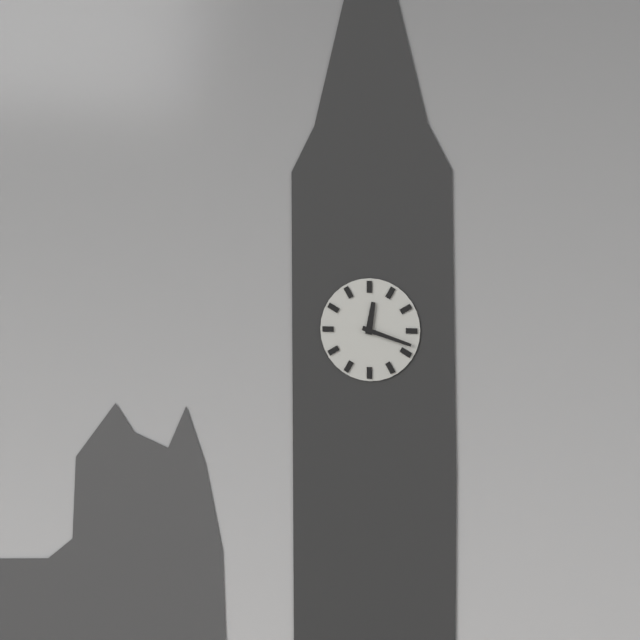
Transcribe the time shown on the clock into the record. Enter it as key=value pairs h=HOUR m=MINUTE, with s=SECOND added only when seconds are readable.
h=12 m=18
